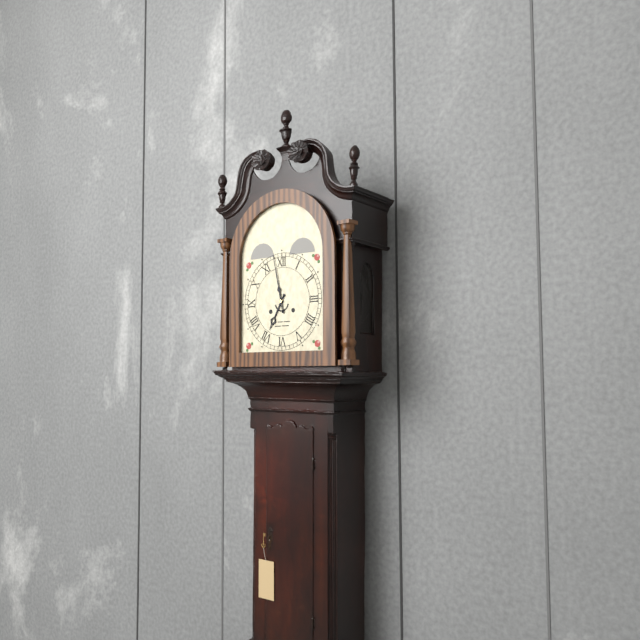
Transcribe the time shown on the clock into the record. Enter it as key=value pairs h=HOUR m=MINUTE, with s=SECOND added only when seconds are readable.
h=6 m=58
